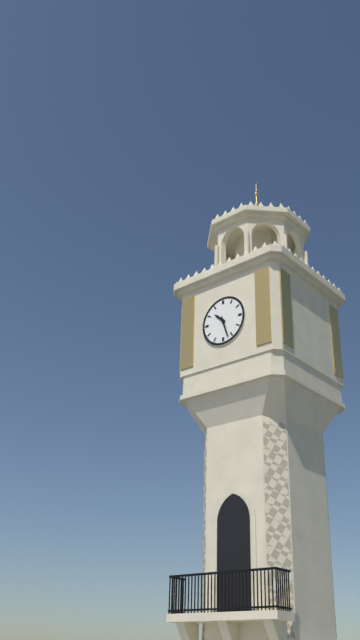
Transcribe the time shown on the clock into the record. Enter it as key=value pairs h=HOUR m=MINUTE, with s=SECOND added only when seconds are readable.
h=10 m=27
